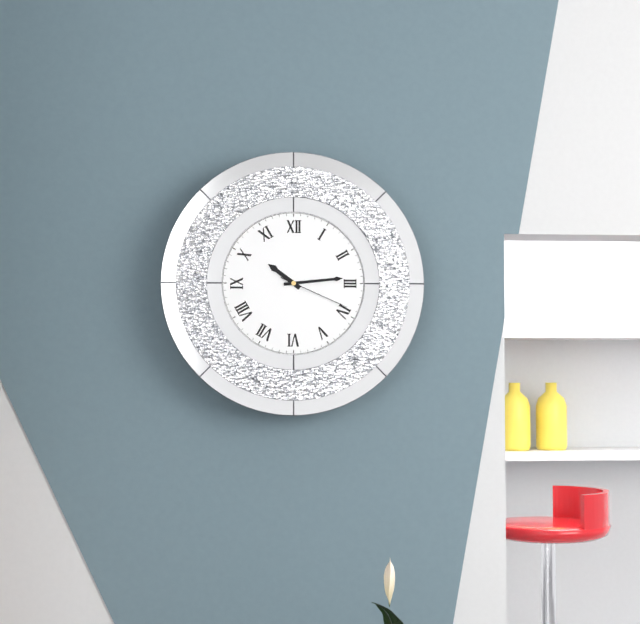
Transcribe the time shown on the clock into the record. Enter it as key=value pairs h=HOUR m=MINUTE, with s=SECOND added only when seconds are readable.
h=10 m=14 s=19
